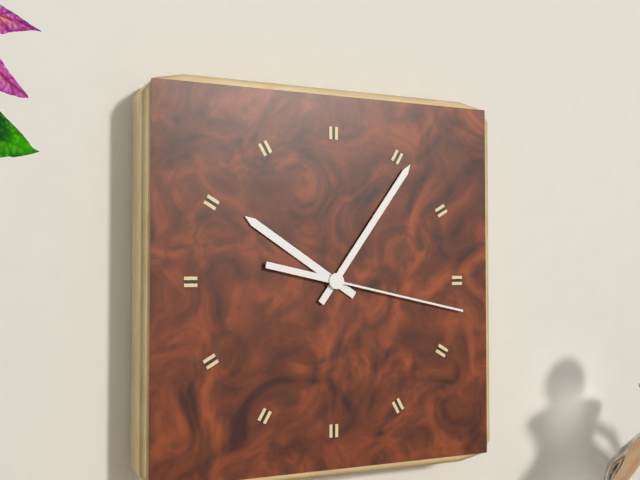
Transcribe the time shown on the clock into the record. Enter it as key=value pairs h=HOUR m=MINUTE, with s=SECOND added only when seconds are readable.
h=10 m=6 s=17
